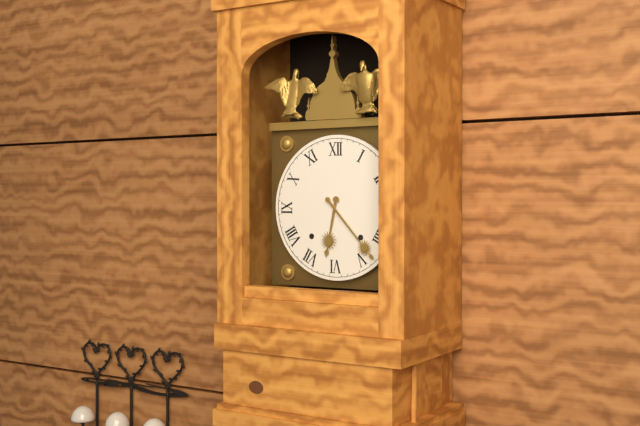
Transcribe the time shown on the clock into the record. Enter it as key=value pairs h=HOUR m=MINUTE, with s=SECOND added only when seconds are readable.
h=6 m=23
